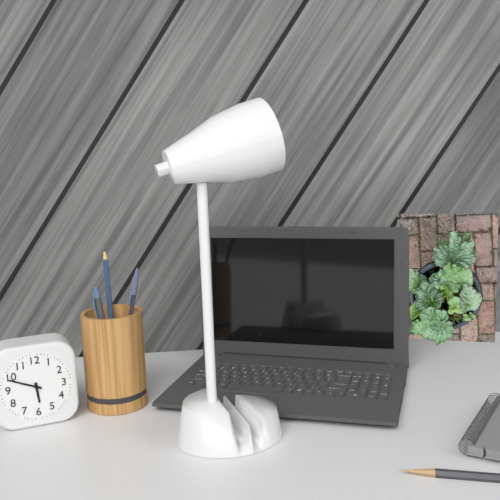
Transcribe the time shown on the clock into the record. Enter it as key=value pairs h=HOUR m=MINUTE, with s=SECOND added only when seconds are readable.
h=5 m=49
